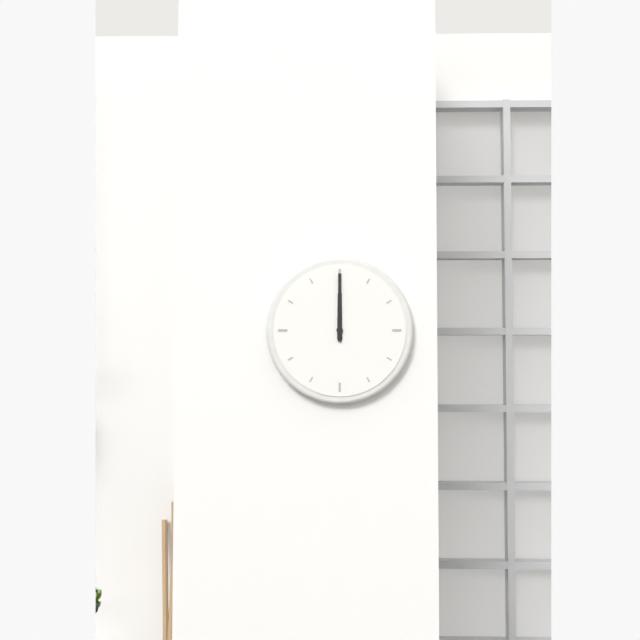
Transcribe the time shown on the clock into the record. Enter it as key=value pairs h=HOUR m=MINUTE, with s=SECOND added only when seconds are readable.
h=12 m=0
